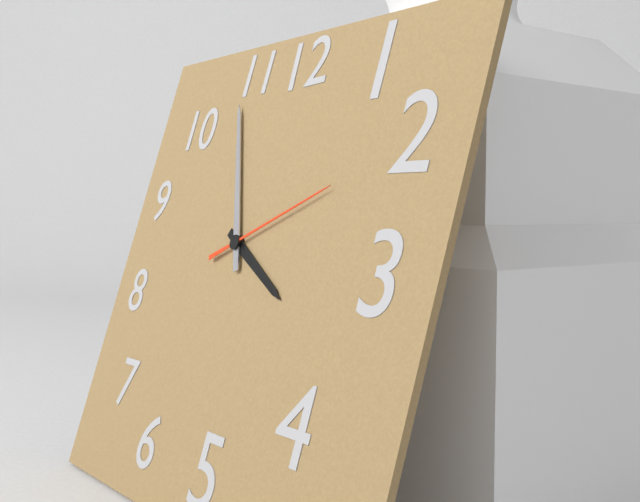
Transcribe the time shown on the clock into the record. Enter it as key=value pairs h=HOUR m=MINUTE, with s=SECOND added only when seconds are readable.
h=3 m=56 s=11
